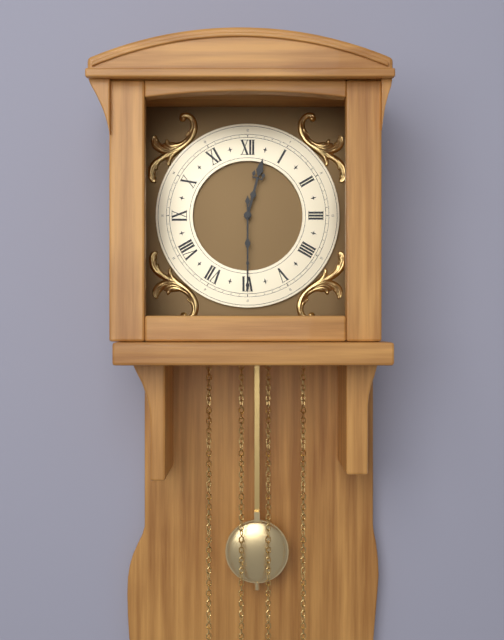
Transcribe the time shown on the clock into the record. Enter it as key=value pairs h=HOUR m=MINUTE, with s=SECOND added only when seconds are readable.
h=12 m=30
